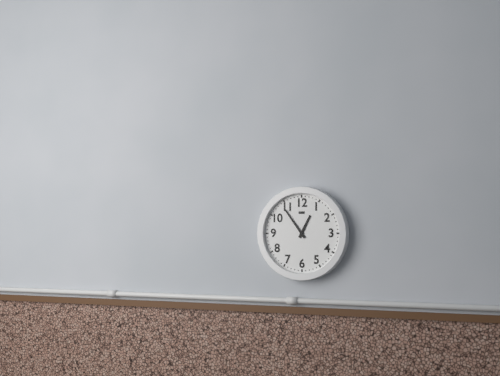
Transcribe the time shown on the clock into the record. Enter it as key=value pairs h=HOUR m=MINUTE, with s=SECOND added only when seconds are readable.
h=12 m=54
